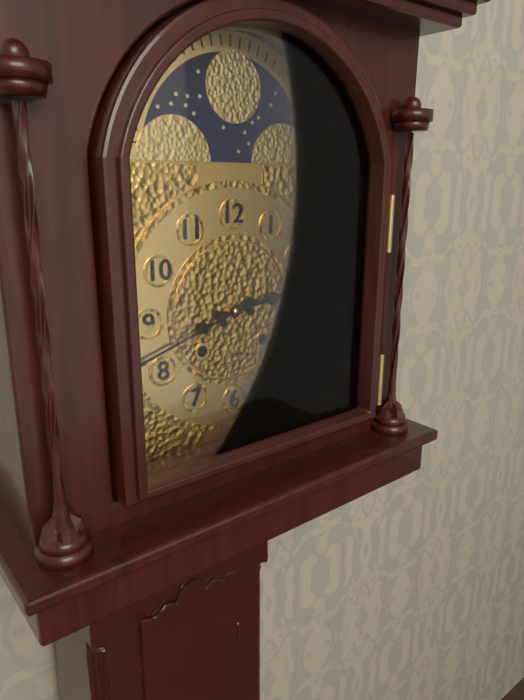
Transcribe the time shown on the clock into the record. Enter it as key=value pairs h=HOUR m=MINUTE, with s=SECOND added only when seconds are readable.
h=2 m=42
